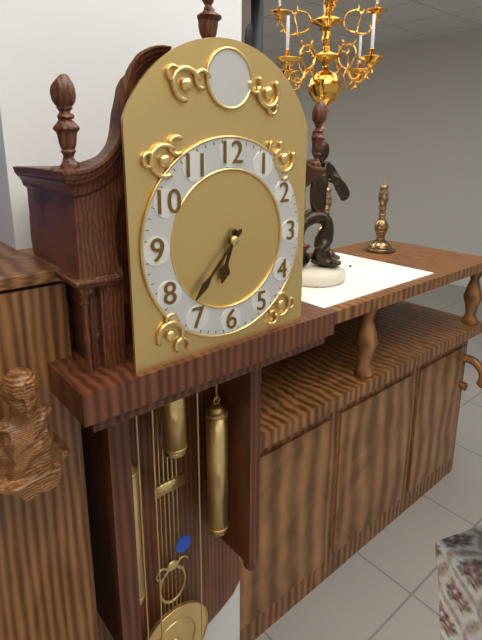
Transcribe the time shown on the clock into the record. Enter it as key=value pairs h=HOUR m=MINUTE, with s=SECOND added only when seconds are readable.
h=6 m=37
